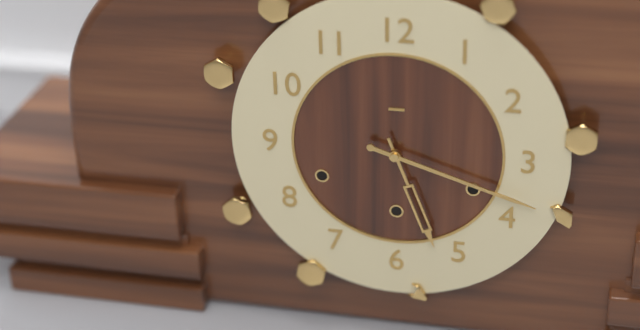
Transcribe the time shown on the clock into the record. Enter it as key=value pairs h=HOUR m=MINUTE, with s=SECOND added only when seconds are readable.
h=5 m=18
